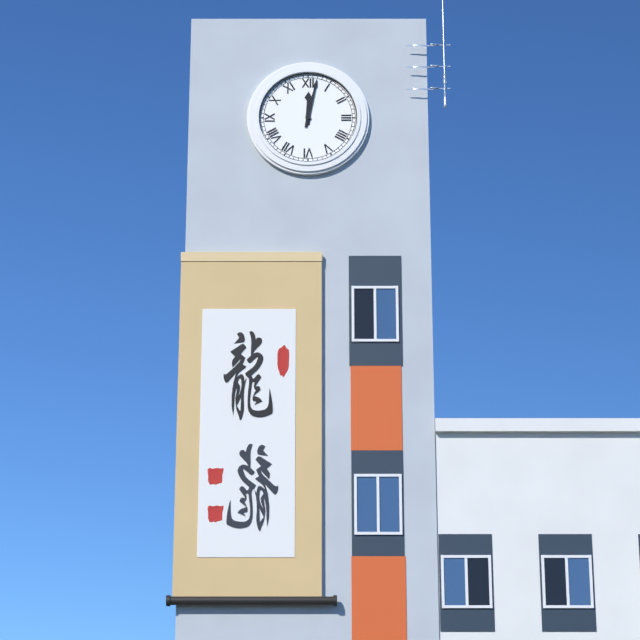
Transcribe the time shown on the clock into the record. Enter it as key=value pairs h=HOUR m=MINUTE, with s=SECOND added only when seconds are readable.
h=12 m=2
